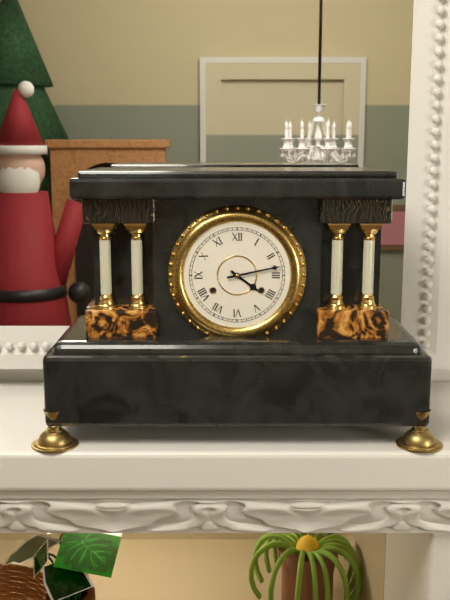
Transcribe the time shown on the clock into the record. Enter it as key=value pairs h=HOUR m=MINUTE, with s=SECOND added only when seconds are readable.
h=4 m=13
